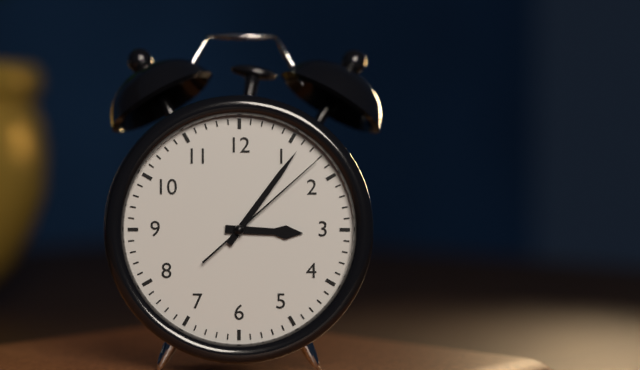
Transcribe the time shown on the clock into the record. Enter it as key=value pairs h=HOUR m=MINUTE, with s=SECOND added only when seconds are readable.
h=3 m=6 s=8
